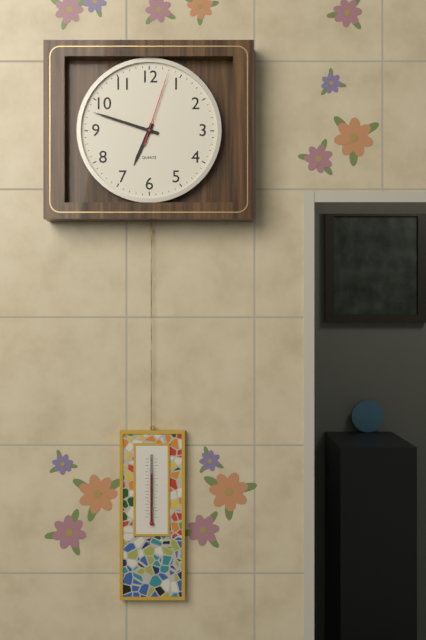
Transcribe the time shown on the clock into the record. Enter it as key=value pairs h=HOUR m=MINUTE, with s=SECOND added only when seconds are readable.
h=6 m=48 s=3
